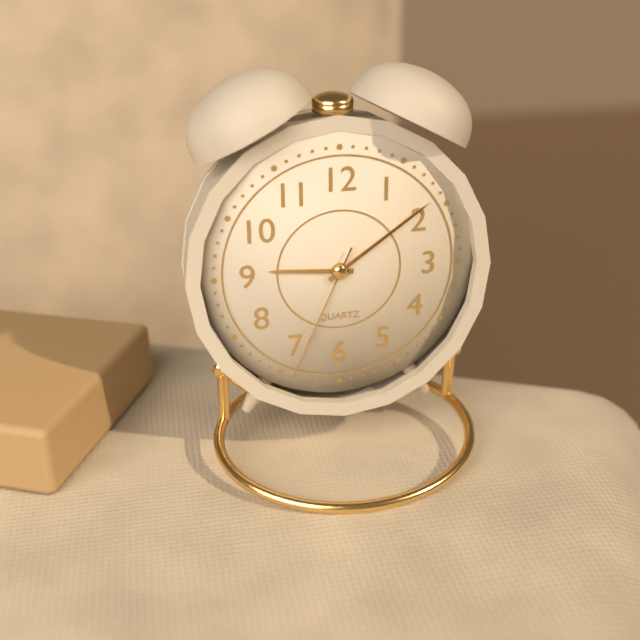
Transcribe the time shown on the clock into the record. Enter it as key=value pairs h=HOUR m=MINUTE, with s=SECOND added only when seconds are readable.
h=9 m=9 s=34
